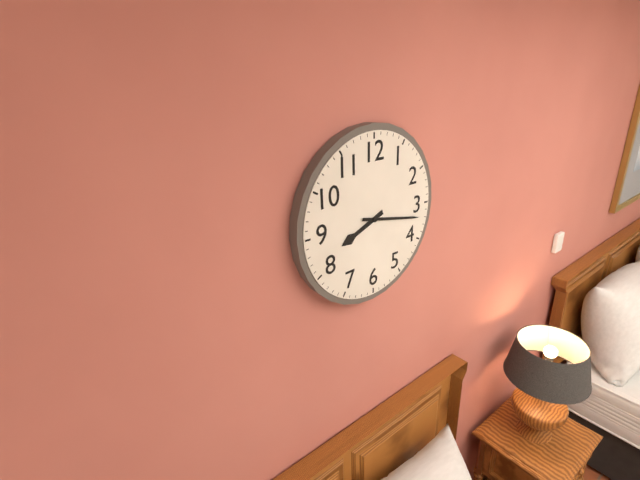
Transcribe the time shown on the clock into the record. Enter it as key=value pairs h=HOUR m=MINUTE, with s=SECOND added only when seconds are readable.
h=8 m=17
